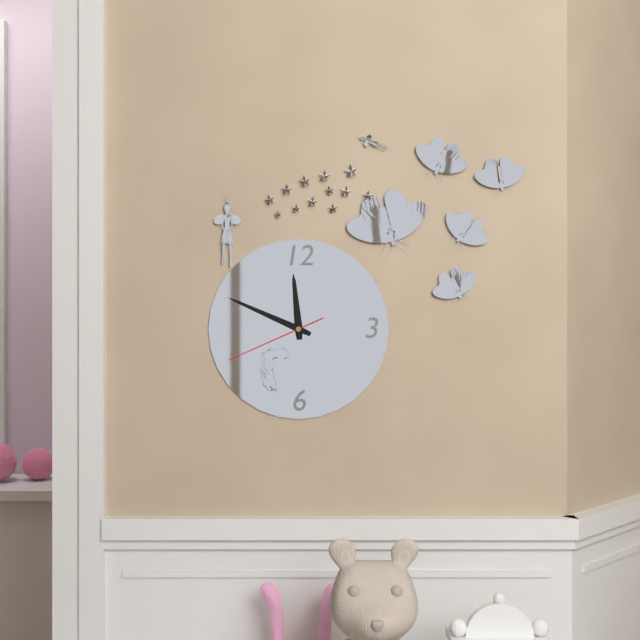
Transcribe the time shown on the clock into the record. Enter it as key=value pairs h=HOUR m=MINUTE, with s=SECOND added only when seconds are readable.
h=11 m=49 s=41
